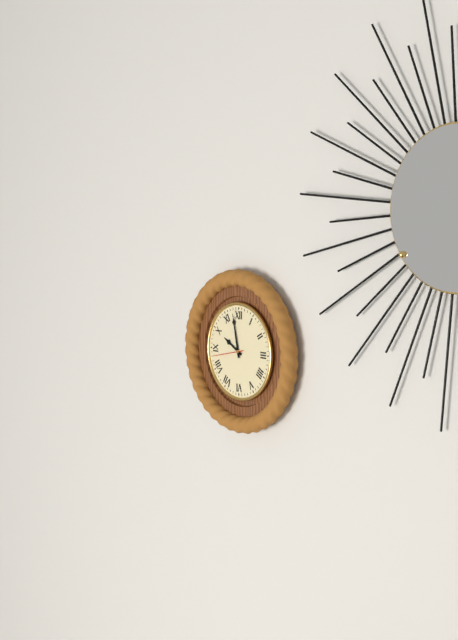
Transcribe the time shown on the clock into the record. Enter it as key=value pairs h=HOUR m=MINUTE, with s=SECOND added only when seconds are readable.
h=9 m=58
